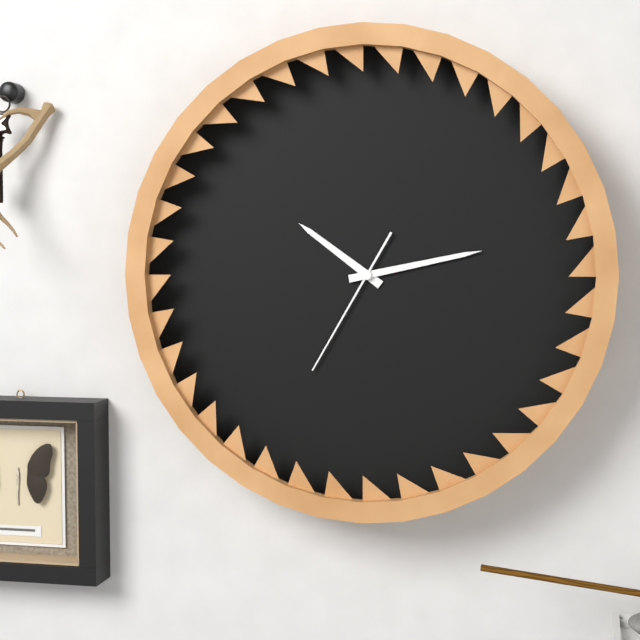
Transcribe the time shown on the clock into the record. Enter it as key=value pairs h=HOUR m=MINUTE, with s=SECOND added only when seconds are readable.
h=10 m=13 s=35
